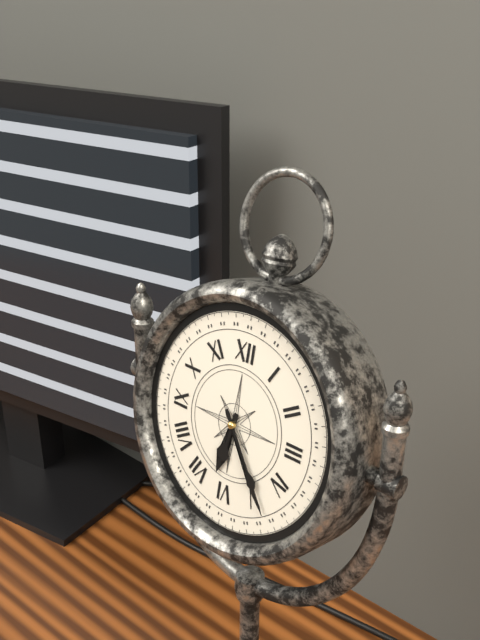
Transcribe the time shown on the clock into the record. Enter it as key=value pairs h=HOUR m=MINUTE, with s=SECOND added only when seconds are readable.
h=6 m=24
